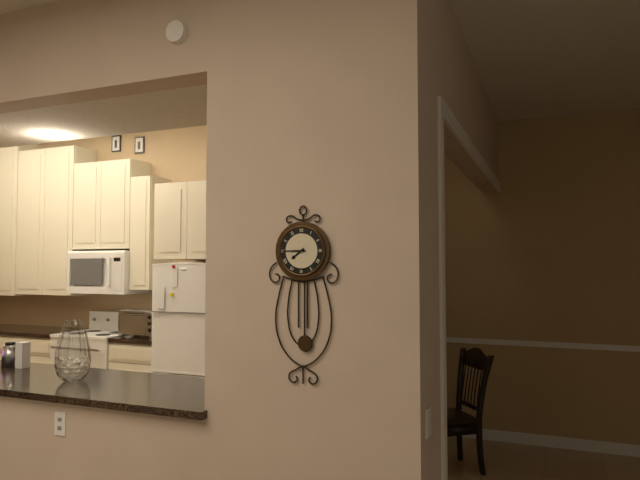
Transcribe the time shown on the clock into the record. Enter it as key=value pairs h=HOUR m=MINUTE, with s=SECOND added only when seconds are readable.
h=7 m=45
